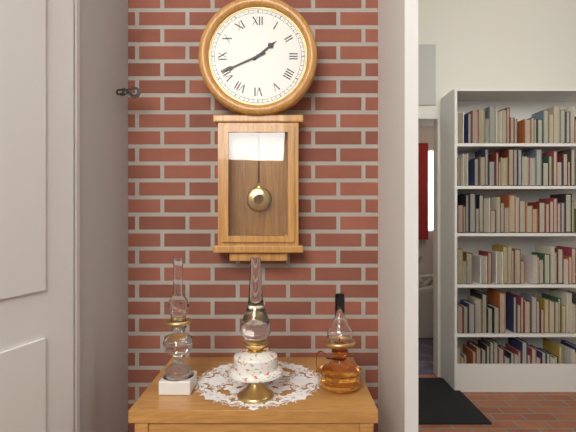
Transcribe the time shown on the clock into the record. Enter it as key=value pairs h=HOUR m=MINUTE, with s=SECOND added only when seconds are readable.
h=1 m=41
